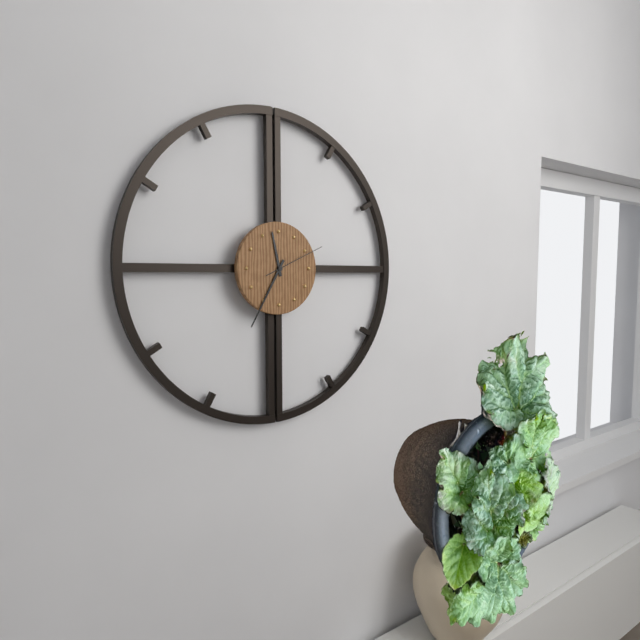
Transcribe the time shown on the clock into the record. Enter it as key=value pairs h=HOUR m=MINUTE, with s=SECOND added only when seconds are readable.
h=11 m=35 s=11
